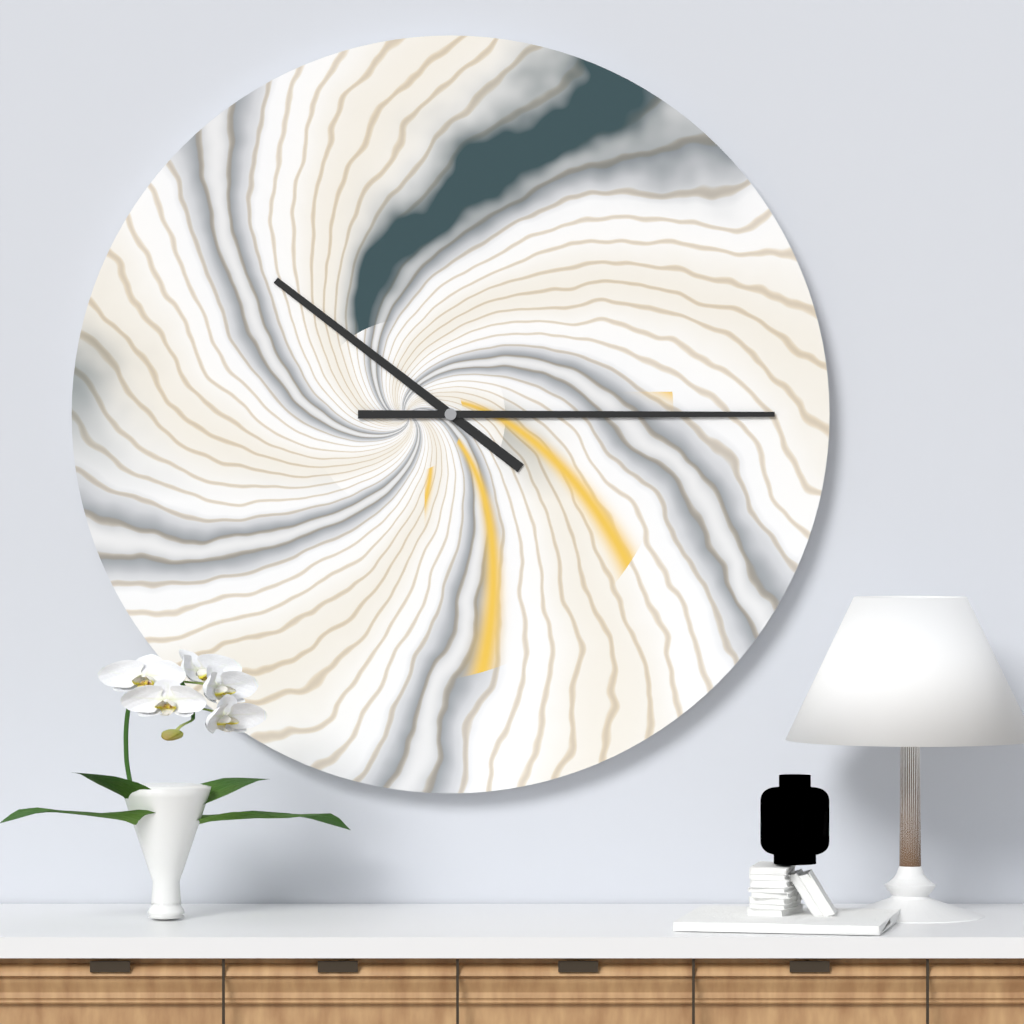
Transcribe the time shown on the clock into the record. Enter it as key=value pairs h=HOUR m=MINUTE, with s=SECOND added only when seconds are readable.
h=10 m=15
